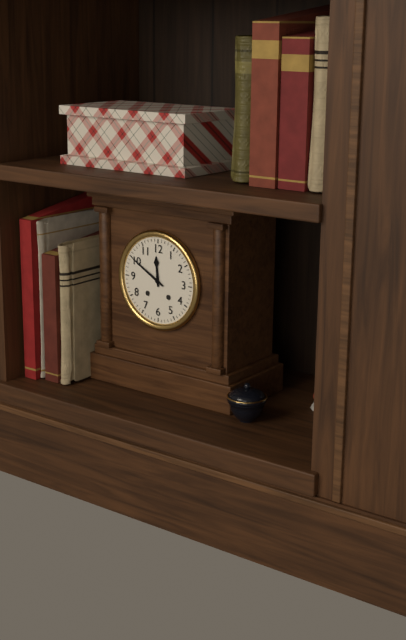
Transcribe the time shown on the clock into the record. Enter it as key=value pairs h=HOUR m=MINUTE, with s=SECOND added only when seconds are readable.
h=11 m=50
